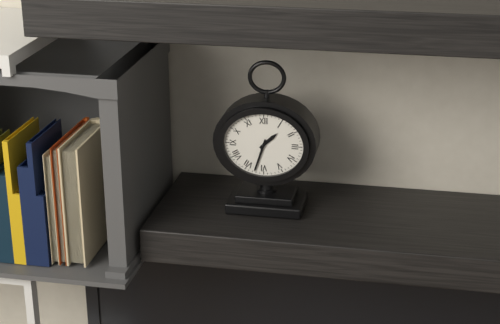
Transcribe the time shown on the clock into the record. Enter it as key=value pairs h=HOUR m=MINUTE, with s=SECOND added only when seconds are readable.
h=1 m=33
